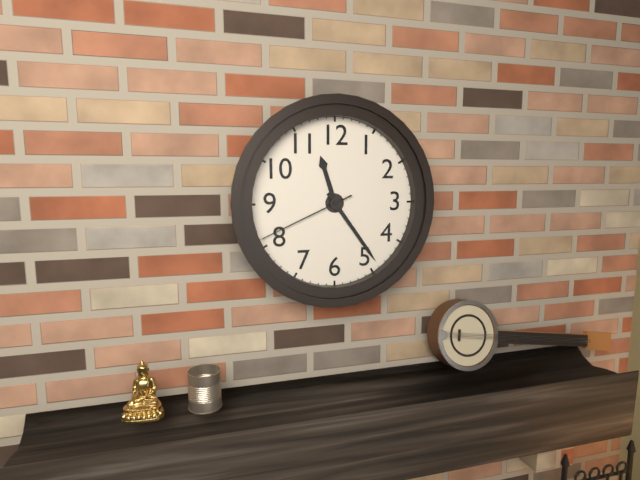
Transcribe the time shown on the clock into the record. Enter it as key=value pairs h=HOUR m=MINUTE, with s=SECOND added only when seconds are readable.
h=11 m=24 s=41
